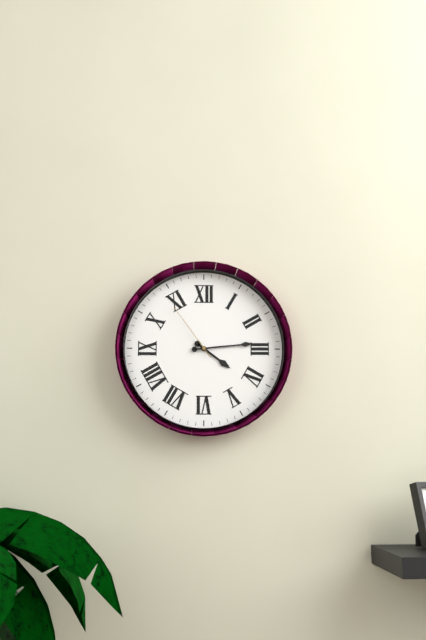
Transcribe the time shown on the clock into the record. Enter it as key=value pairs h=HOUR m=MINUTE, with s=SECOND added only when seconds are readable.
h=4 m=14 s=54
